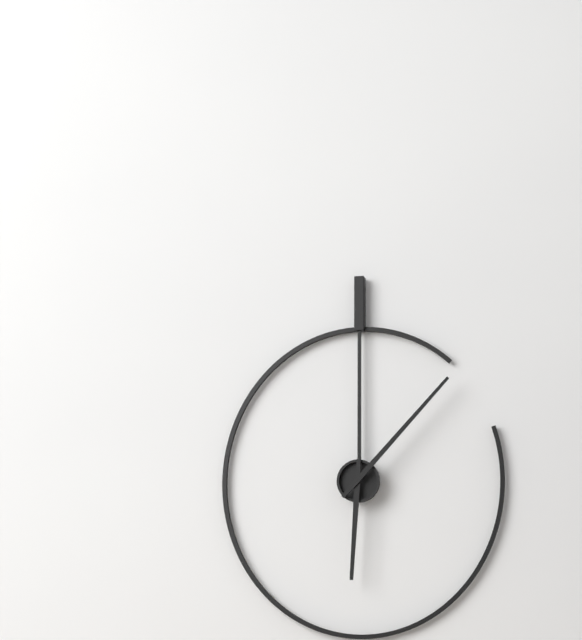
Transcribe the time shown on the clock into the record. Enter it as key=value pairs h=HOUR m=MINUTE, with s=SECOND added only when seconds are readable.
h=6 m=7
